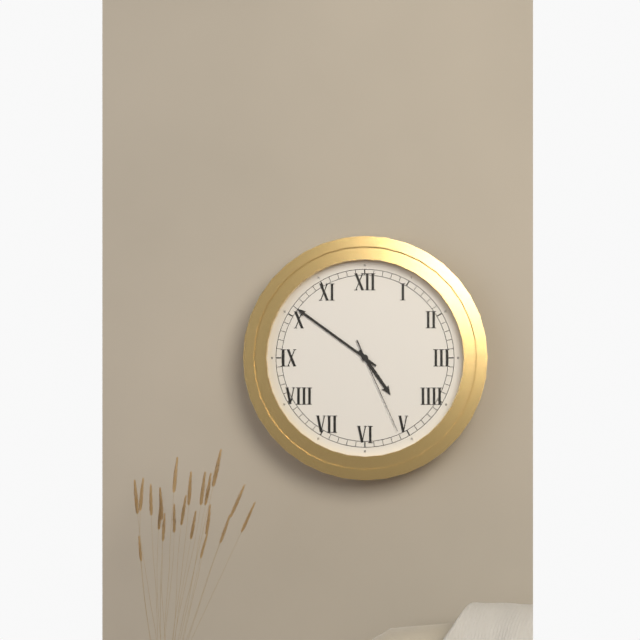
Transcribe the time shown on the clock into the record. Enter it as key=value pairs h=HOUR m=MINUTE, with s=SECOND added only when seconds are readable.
h=4 m=51 s=26
